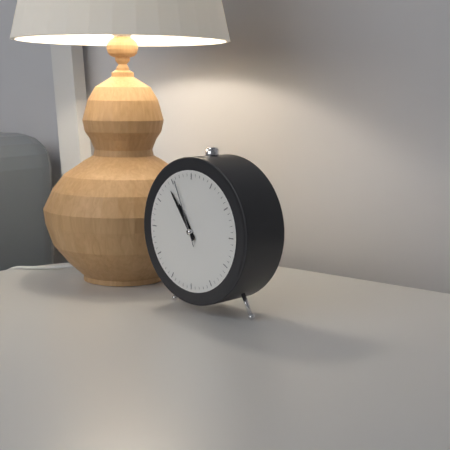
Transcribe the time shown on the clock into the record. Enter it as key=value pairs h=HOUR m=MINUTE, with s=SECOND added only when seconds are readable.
h=10 m=54 s=56
